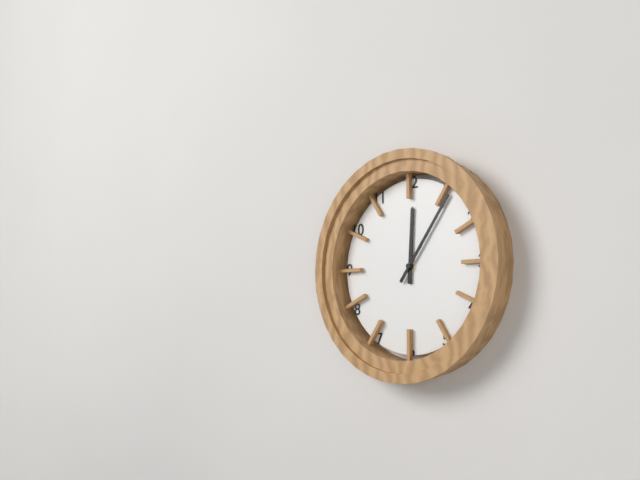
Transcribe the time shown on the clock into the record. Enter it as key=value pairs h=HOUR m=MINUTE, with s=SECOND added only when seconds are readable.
h=12 m=6
